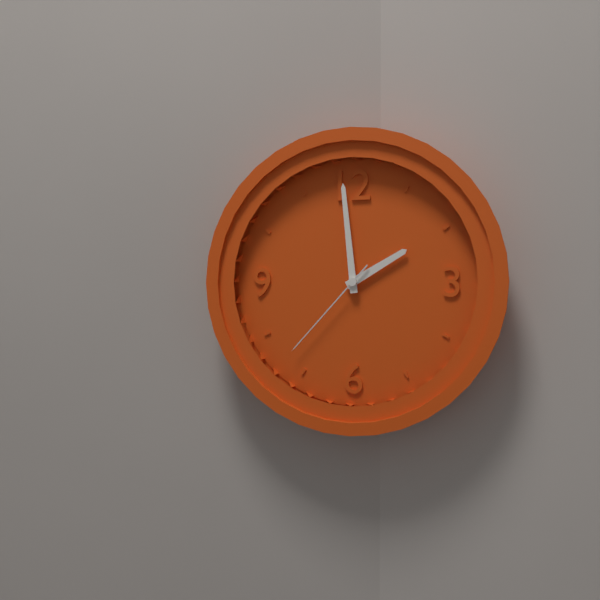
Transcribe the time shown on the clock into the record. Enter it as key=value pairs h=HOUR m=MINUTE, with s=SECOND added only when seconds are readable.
h=1 m=59 s=37
